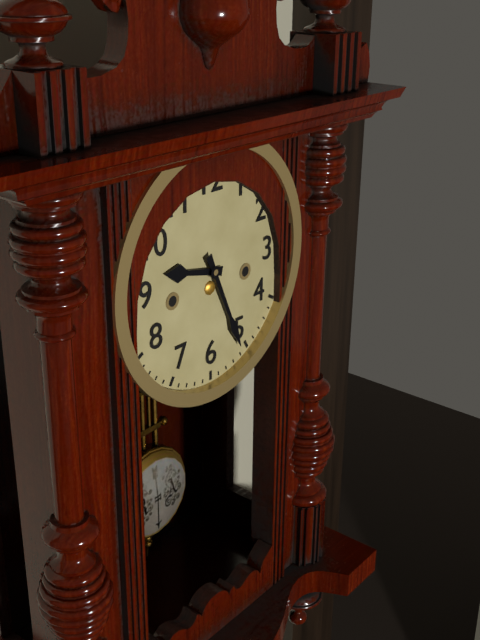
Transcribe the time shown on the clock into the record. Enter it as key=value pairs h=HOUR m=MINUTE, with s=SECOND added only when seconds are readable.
h=9 m=26
